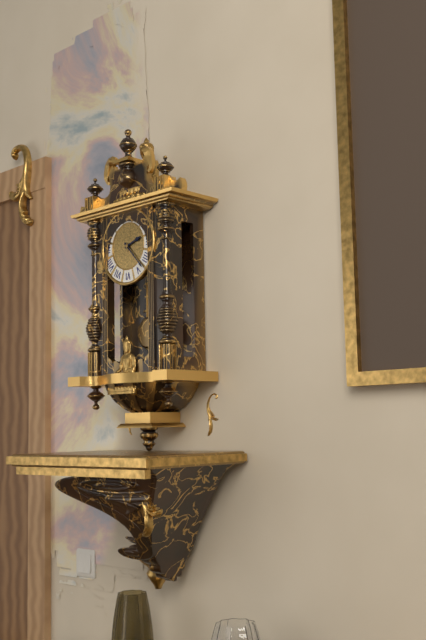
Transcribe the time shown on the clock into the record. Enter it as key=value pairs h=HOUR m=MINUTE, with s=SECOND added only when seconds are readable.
h=2 m=23
